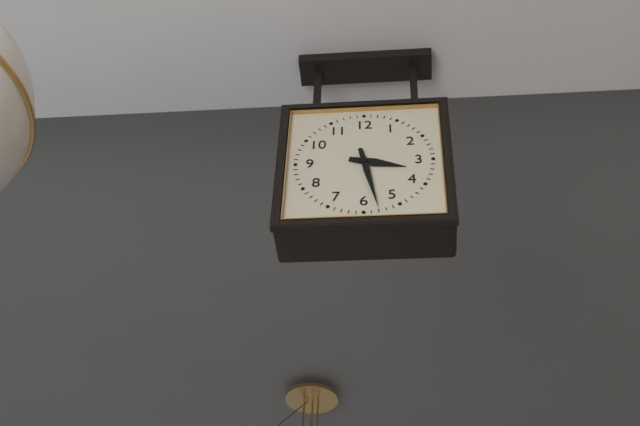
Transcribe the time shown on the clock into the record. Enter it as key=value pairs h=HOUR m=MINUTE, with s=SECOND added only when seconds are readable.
h=3 m=28
